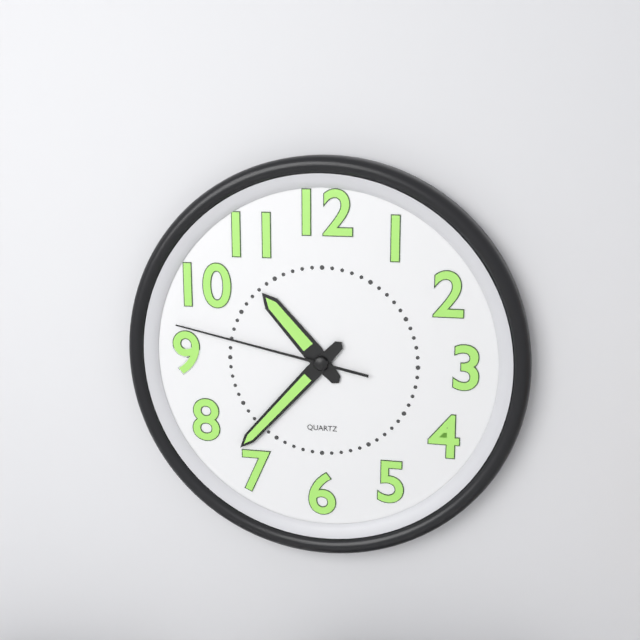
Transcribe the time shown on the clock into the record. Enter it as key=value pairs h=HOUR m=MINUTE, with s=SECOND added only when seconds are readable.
h=10 m=37 s=47
